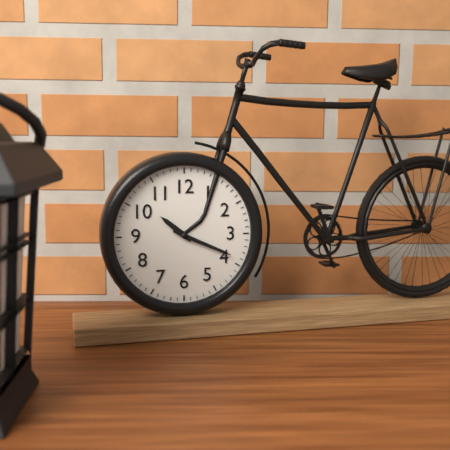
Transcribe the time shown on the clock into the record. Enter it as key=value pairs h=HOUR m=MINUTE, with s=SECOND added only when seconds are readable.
h=10 m=19
